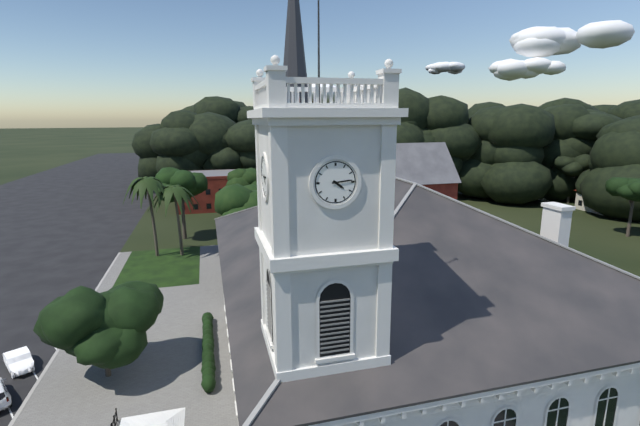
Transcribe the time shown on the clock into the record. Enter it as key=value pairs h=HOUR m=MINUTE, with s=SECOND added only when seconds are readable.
h=4 m=14
